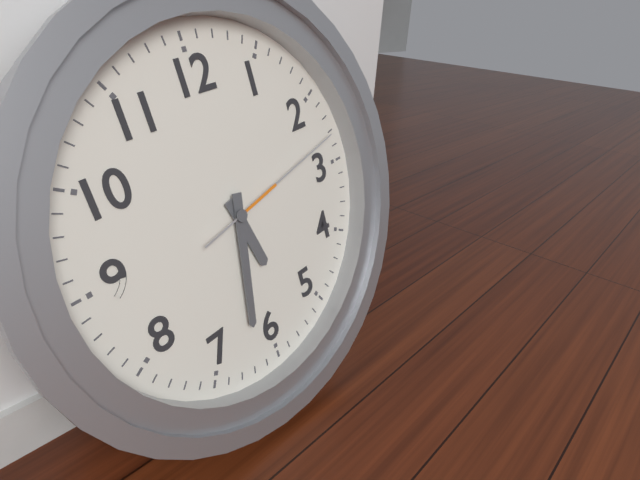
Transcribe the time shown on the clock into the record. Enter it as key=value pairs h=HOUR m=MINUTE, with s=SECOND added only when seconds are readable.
h=5 m=32 s=13
